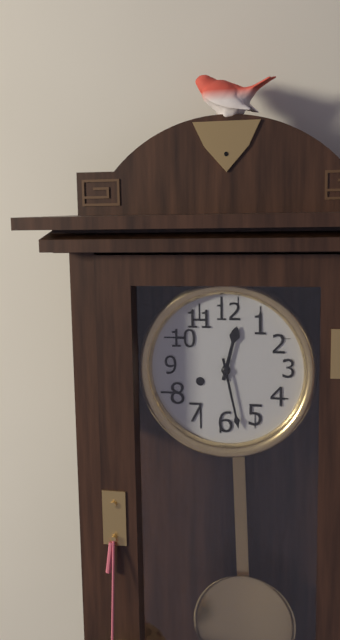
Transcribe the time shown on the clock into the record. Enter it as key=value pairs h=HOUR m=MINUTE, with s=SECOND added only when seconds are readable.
h=12 m=28
